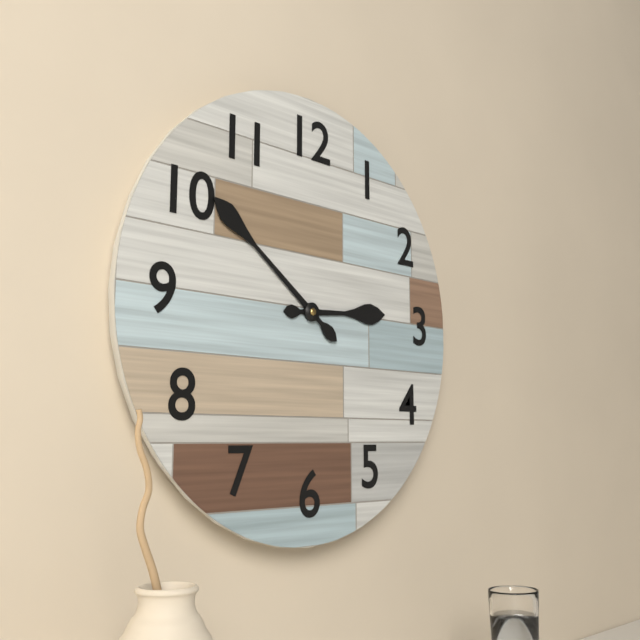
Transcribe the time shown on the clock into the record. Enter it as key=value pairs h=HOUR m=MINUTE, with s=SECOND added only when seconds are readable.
h=2 m=51
